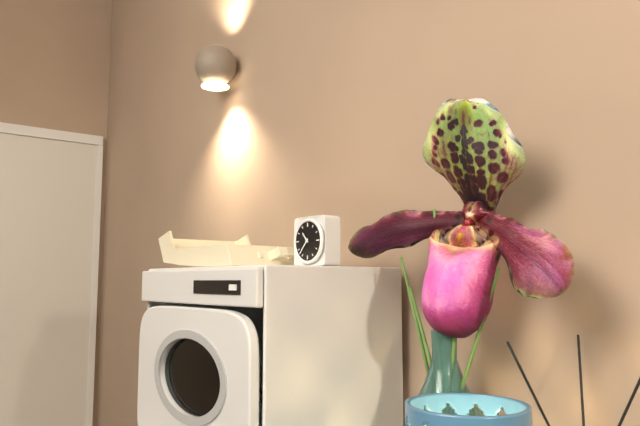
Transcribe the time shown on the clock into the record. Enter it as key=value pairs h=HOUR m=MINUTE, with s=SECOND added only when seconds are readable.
h=10 m=37
